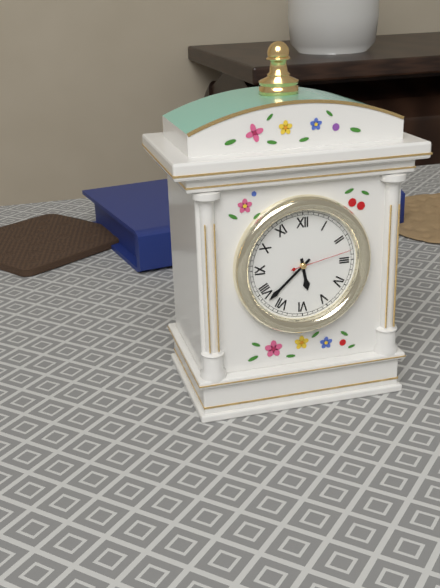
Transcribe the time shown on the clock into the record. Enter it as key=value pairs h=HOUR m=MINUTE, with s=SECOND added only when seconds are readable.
h=5 m=38 s=13
